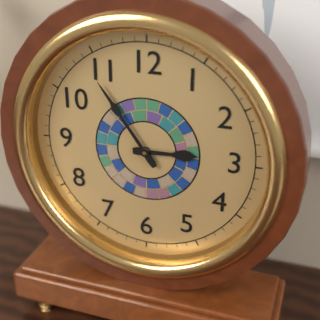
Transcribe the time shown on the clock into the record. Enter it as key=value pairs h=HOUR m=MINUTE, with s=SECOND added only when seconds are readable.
h=2 m=54
